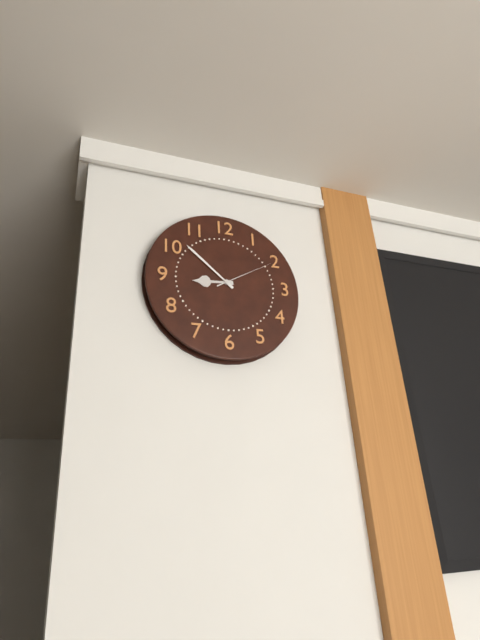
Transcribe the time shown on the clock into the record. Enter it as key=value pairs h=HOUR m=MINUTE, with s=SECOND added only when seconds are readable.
h=8 m=52 s=10
